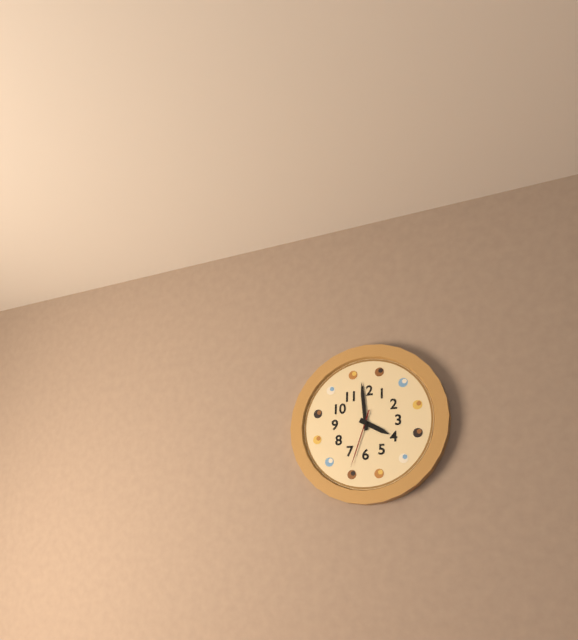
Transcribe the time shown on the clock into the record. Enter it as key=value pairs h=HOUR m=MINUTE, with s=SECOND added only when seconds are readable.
h=3 m=59 s=33
